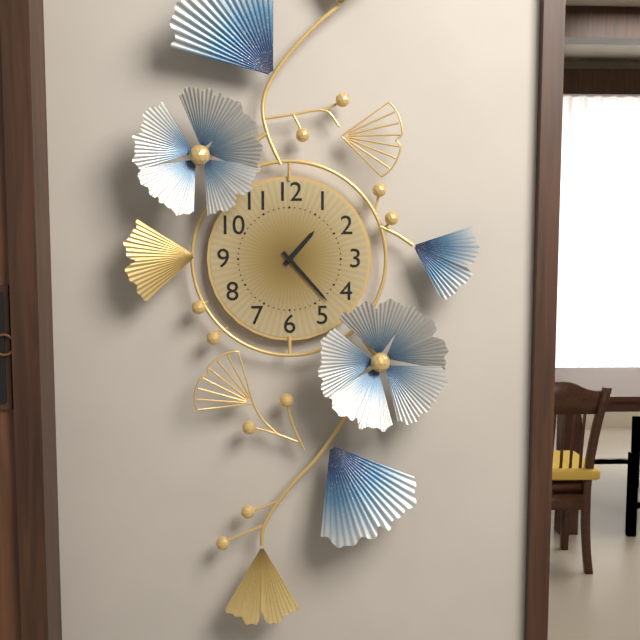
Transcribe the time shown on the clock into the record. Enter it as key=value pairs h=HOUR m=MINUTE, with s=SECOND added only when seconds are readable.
h=1 m=23
